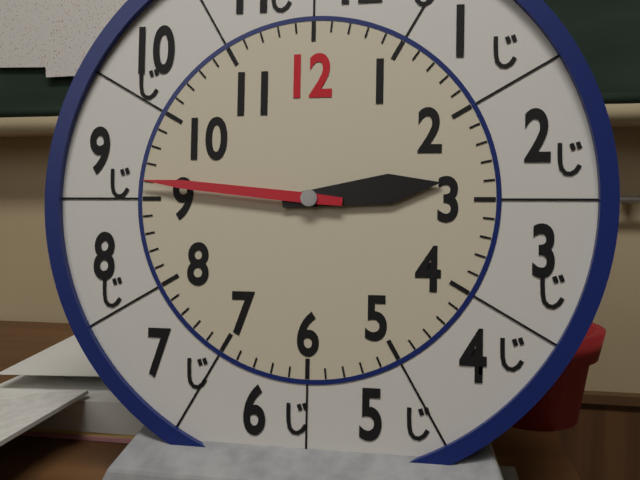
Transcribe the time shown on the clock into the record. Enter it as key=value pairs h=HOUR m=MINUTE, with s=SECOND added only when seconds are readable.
h=2 m=46
